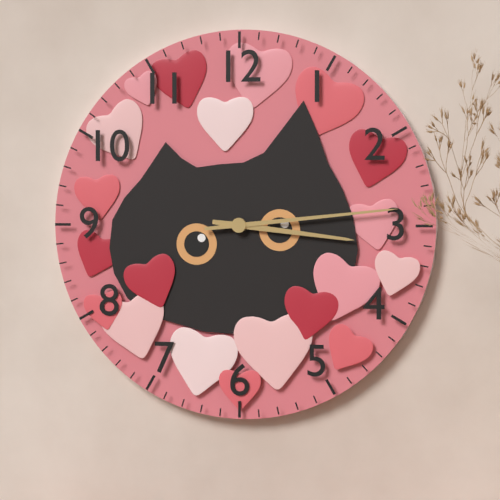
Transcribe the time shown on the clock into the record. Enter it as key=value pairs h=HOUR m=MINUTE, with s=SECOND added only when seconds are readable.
h=3 m=14
